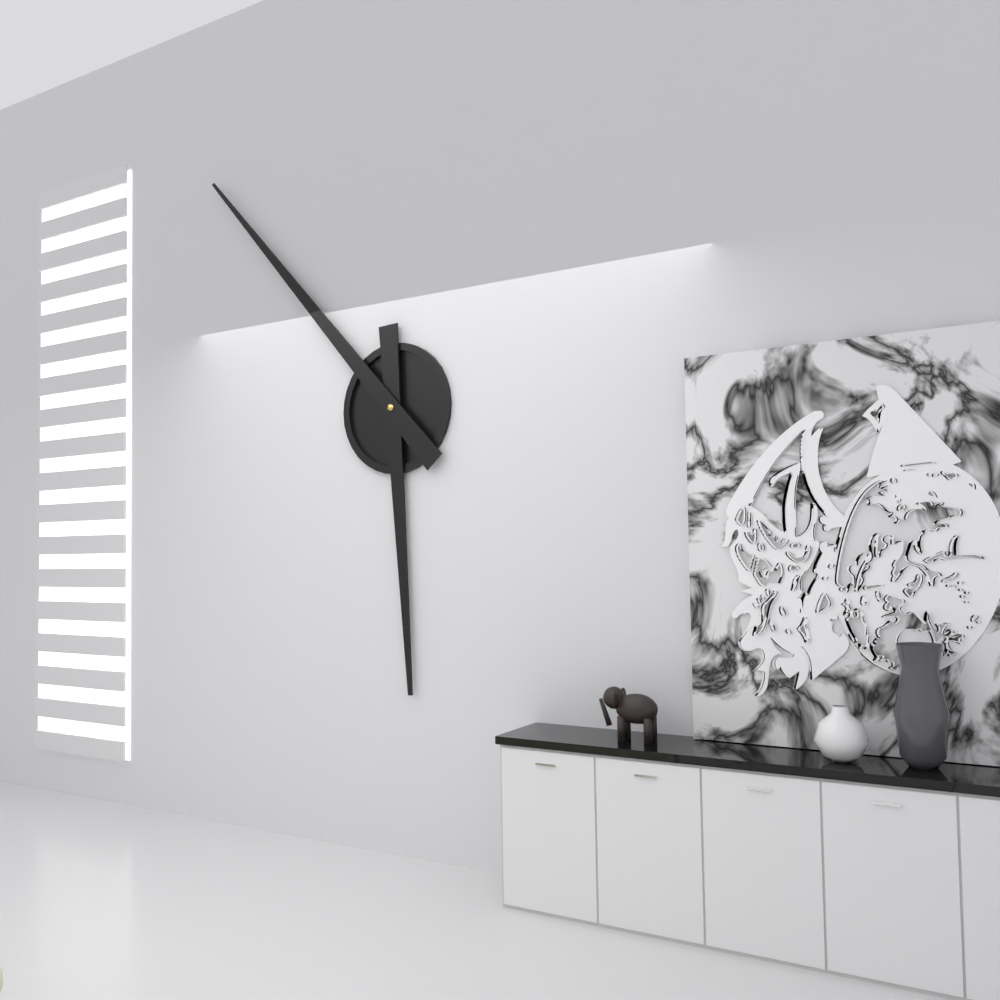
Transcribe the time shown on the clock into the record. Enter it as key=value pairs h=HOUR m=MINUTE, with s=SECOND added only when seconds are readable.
h=5 m=53
